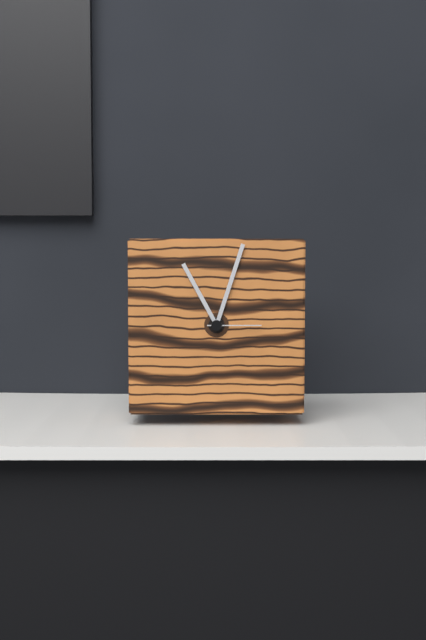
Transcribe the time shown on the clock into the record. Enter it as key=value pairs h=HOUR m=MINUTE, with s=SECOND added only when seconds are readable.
h=11 m=3 s=15
